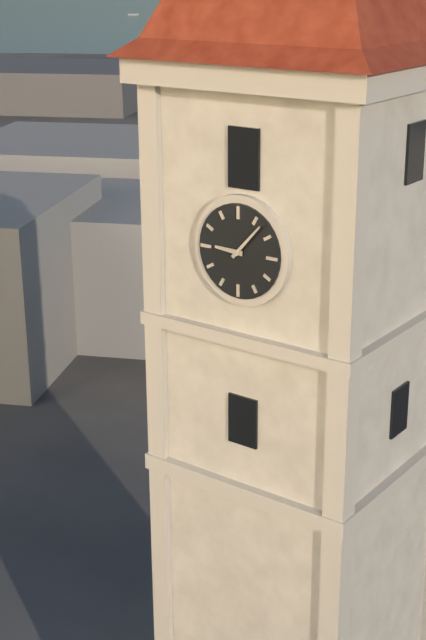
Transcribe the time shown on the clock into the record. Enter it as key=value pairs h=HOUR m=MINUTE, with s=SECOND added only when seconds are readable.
h=9 m=7
